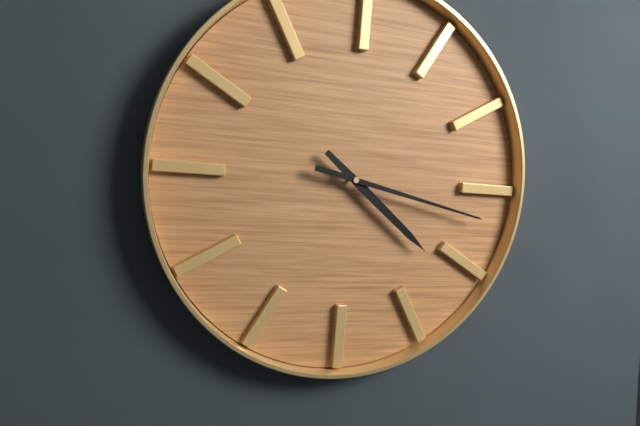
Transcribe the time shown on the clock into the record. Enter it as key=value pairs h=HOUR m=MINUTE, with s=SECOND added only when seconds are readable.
h=4 m=17
